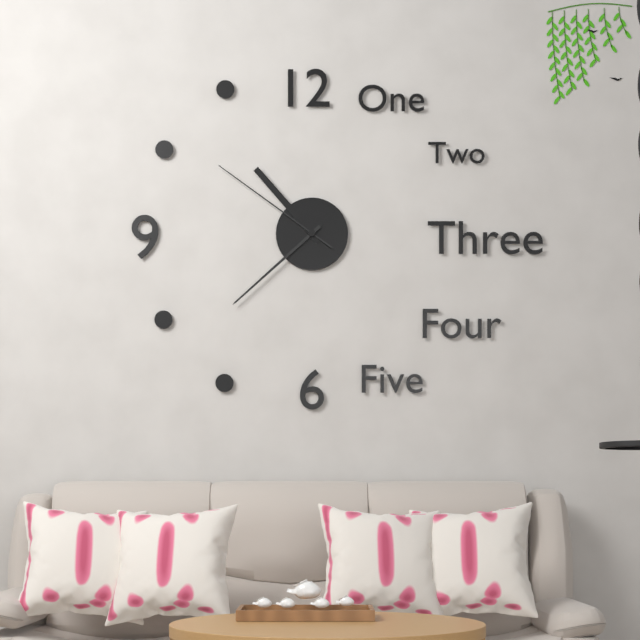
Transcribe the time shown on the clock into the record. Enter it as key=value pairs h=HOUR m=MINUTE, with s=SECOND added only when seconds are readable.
h=10 m=38 s=51
